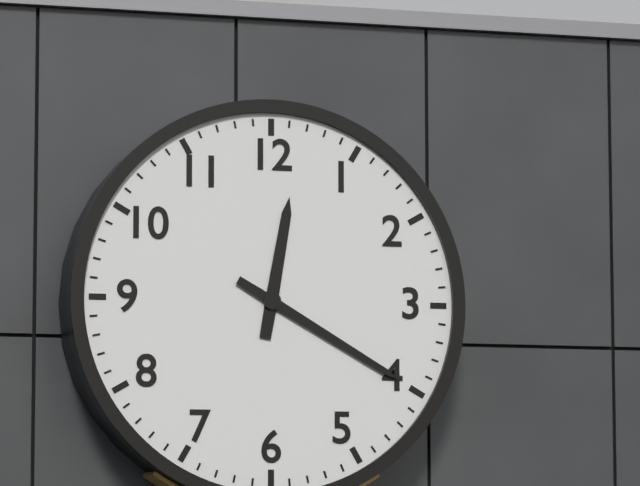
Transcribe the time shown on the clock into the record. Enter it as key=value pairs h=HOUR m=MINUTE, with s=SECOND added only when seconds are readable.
h=12 m=20
